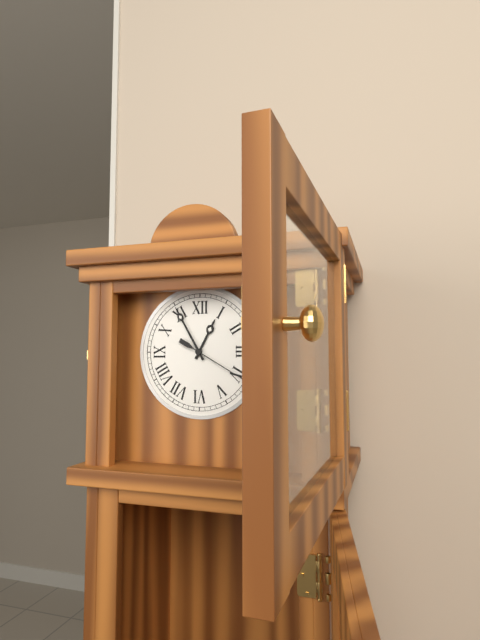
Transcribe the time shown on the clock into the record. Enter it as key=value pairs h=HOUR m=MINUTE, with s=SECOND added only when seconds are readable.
h=12 m=55 s=20
